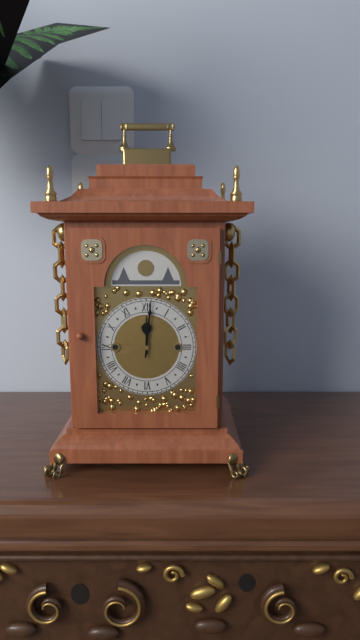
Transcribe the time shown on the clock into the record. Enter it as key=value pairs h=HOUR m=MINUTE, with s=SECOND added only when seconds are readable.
h=12 m=1
